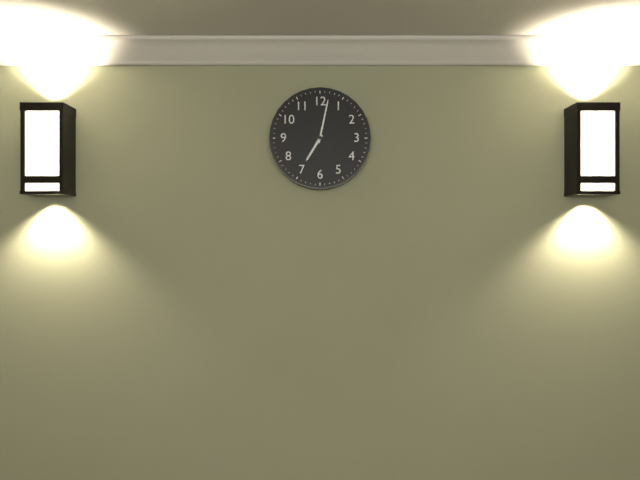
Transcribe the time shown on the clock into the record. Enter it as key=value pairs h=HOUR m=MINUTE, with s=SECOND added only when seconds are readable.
h=7 m=2
